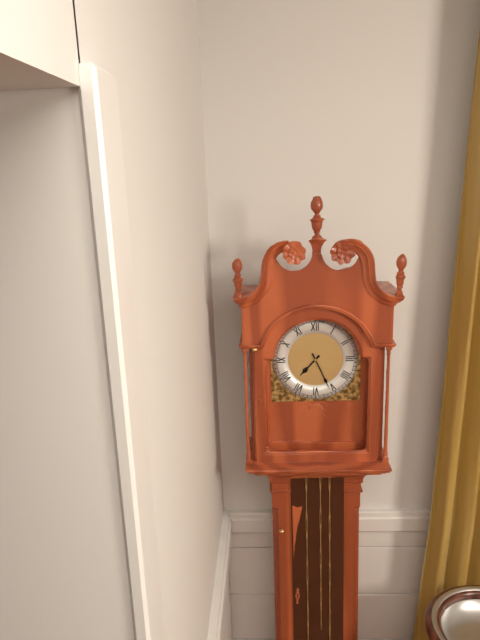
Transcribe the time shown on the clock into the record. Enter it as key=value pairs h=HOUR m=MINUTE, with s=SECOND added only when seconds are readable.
h=7 m=26
